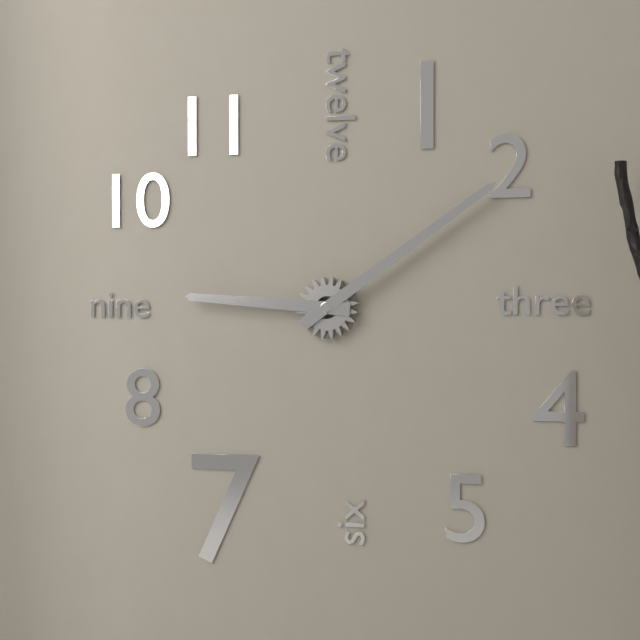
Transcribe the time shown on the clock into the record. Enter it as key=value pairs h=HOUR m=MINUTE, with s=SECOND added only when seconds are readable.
h=9 m=9
